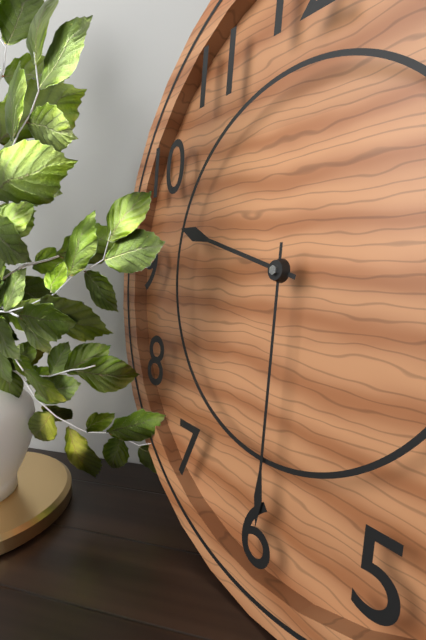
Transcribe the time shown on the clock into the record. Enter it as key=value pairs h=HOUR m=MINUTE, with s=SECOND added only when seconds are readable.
h=9 m=30
